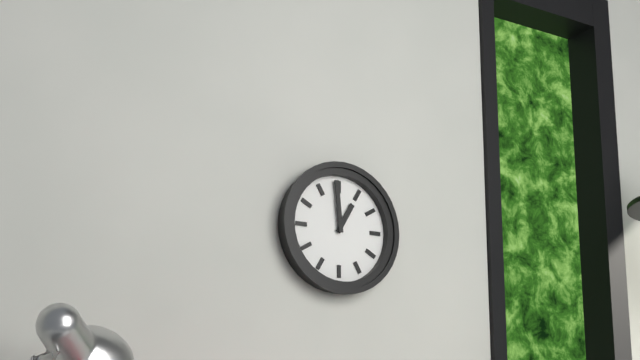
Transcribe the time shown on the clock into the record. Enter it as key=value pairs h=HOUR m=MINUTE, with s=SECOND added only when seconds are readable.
h=12 m=59
